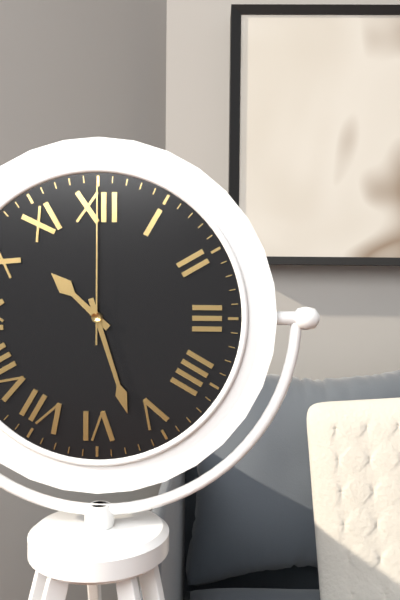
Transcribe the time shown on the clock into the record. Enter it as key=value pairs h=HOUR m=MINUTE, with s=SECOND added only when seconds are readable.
h=10 m=27 s=0
